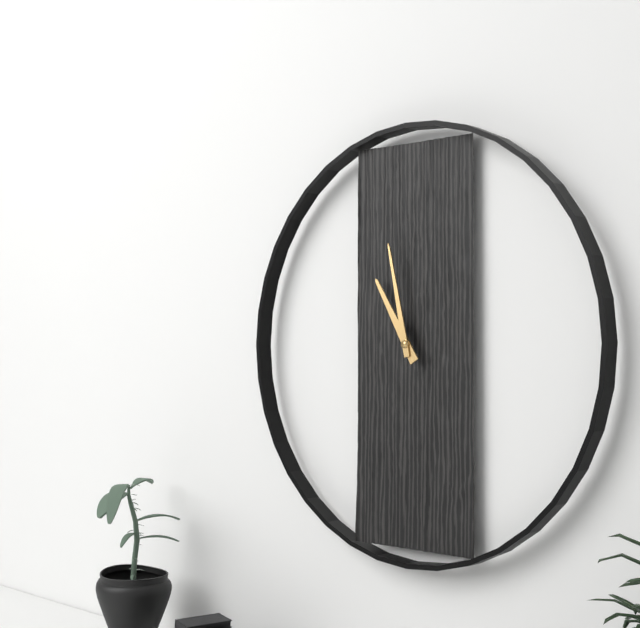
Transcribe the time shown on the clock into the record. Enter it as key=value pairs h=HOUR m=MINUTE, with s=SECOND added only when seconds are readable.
h=10 m=58
